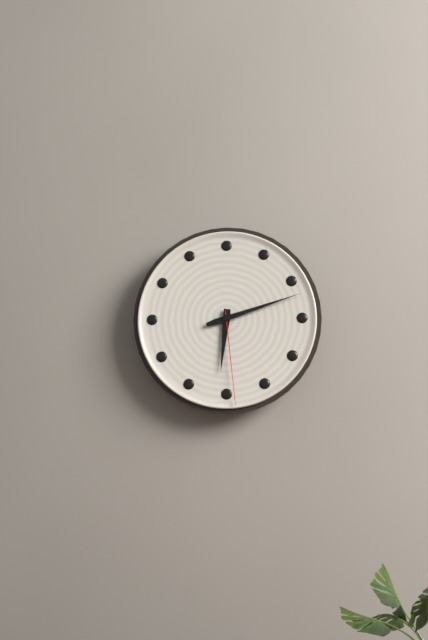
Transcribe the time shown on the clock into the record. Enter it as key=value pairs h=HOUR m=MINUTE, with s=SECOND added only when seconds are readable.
h=6 m=12 s=29
